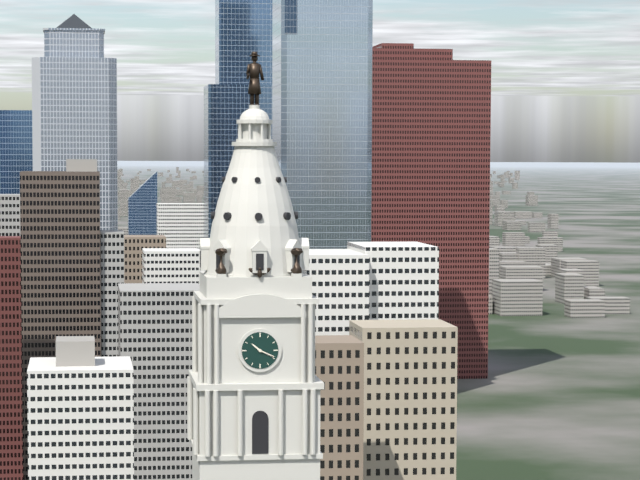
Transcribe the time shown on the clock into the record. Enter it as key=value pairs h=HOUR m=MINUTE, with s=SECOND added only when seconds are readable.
h=10 m=19
